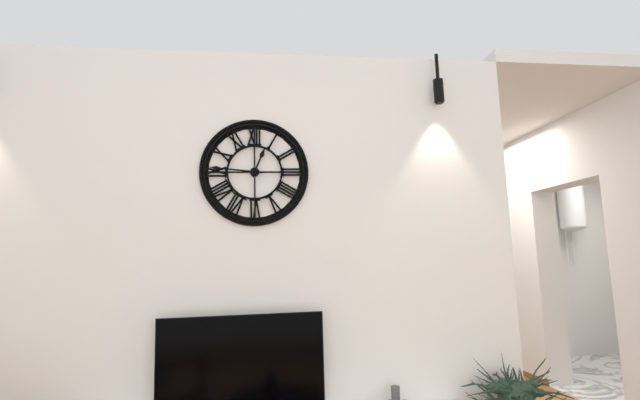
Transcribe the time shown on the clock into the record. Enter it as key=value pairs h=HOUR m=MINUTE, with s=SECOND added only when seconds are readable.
h=12 m=46
